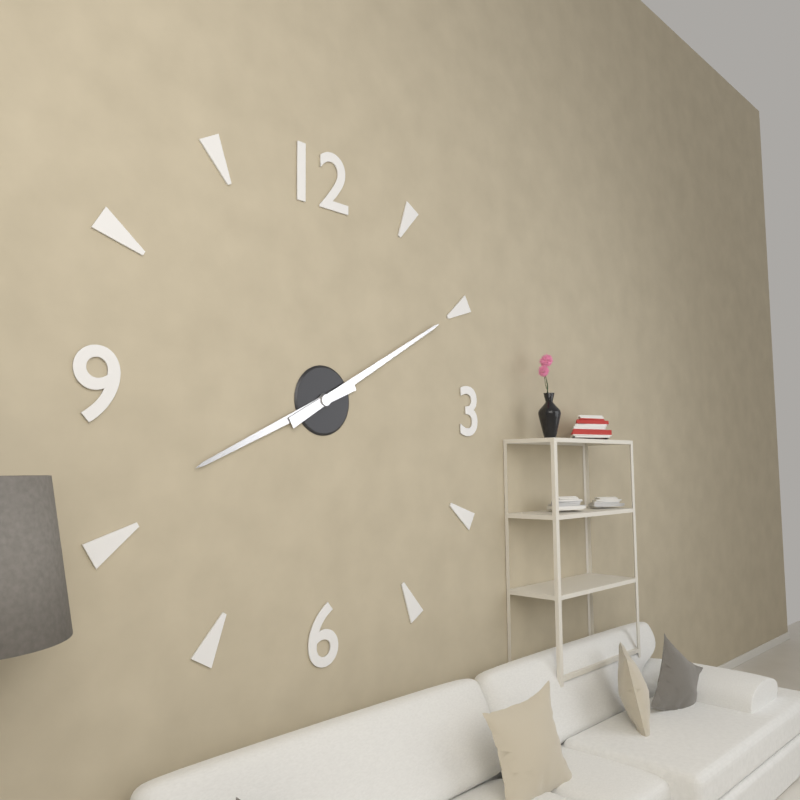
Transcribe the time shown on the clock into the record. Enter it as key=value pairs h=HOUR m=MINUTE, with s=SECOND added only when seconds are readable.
h=8 m=10
